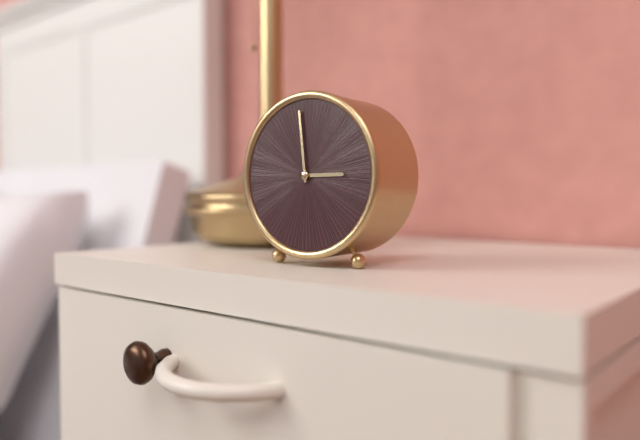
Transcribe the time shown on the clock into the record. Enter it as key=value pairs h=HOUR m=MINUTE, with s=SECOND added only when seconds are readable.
h=2 m=59
